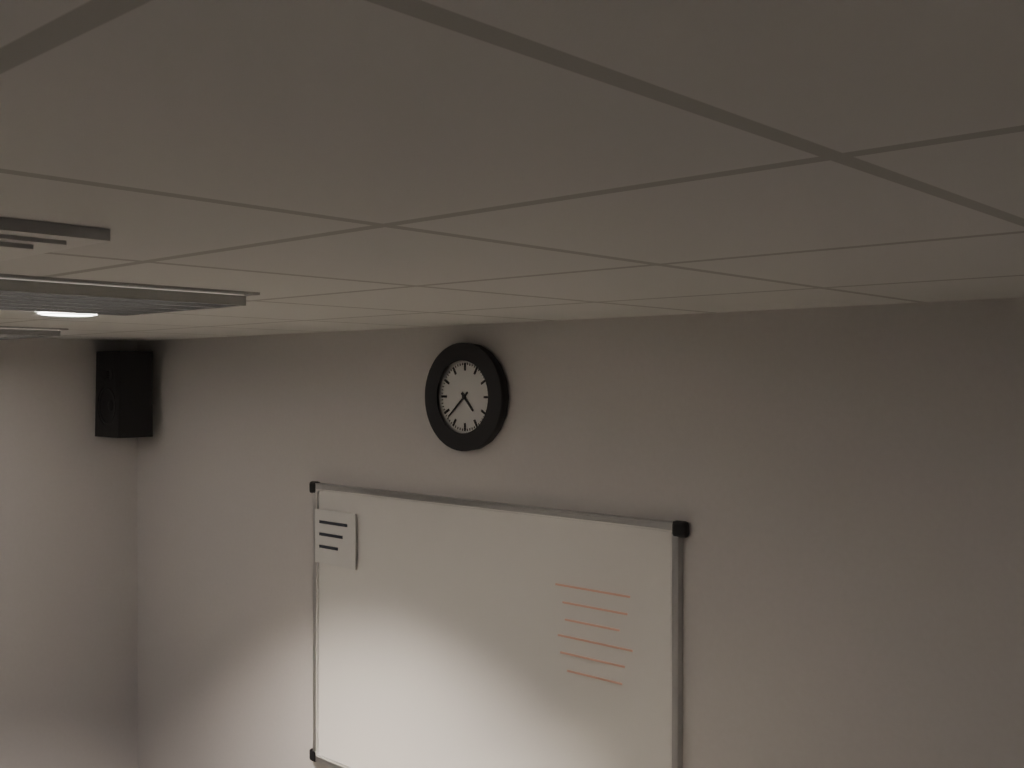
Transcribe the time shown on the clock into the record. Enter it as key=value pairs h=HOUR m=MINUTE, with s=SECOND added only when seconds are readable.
h=4 m=38
